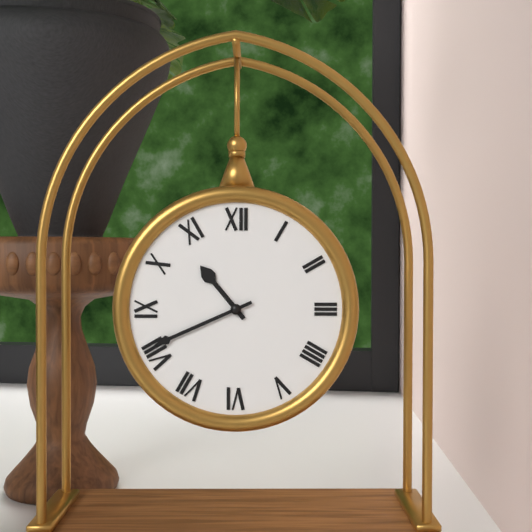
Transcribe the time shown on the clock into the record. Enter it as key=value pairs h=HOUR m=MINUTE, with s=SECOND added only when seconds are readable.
h=10 m=41
